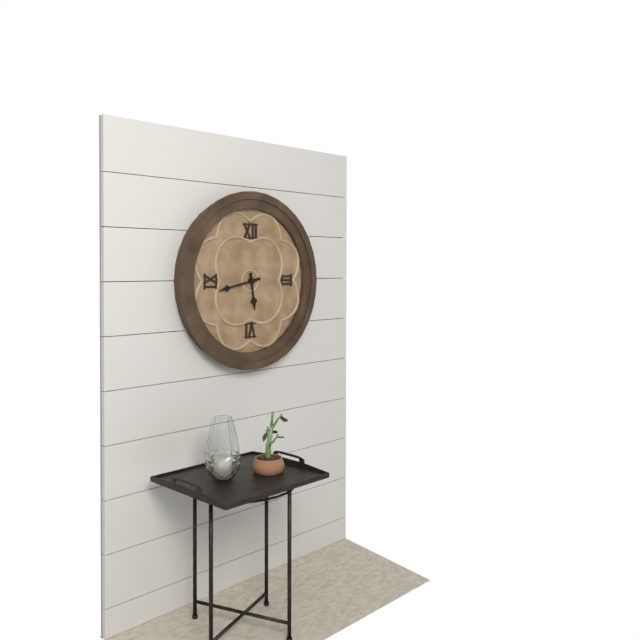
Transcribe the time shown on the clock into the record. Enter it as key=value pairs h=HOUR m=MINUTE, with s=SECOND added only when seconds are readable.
h=5 m=43
